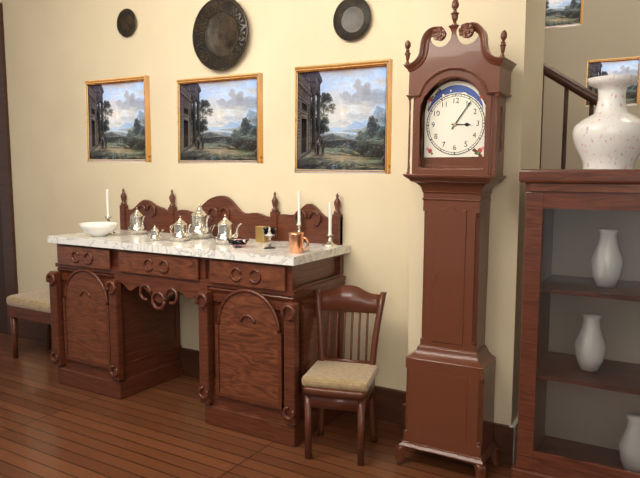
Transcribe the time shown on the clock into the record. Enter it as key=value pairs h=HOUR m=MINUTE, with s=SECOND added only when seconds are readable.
h=3 m=6
